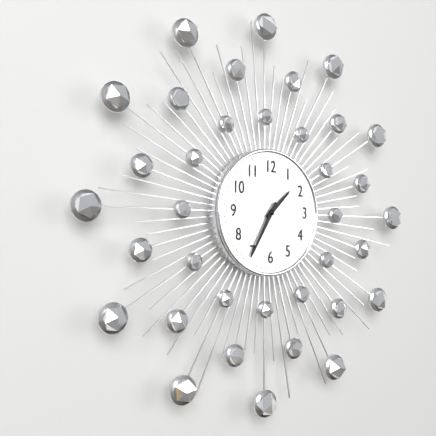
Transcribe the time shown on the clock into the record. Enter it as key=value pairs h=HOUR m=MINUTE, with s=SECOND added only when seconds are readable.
h=1 m=35
